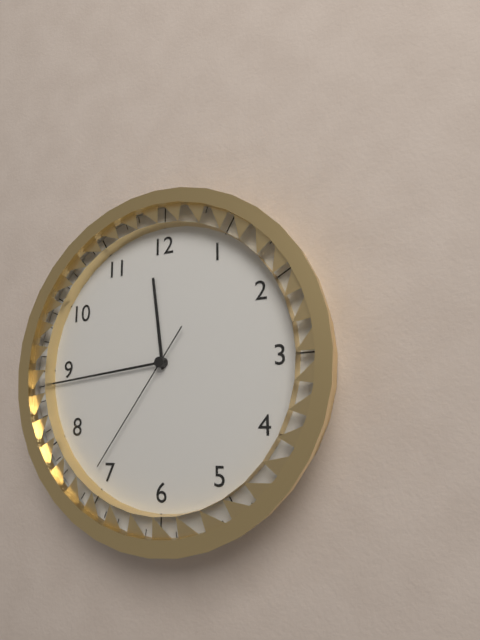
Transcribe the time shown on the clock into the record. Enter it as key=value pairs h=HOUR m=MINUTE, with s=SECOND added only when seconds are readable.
h=11 m=44 s=36
